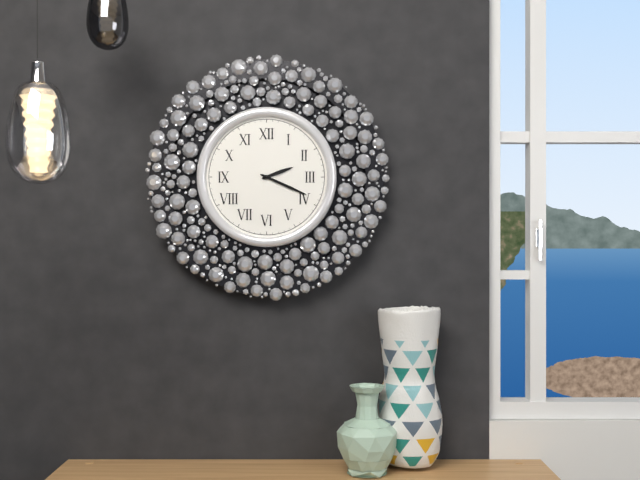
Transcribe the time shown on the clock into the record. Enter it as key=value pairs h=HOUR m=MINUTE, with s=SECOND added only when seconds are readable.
h=2 m=19
